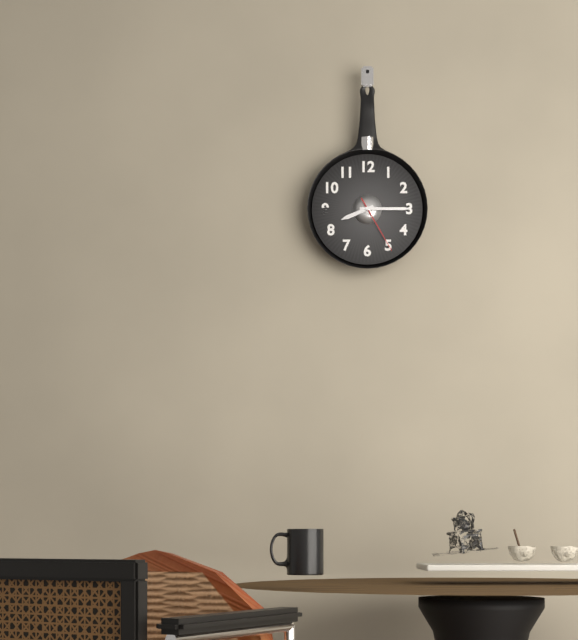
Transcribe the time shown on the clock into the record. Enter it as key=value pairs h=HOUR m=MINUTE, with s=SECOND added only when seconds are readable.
h=8 m=15 s=25
